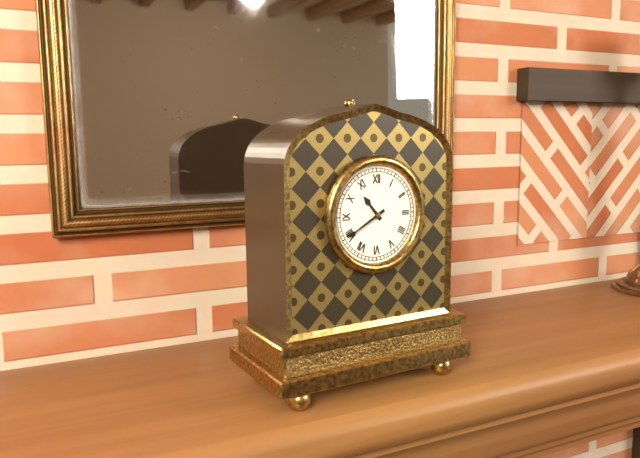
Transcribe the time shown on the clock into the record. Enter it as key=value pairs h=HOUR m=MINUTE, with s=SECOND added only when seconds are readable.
h=10 m=40
